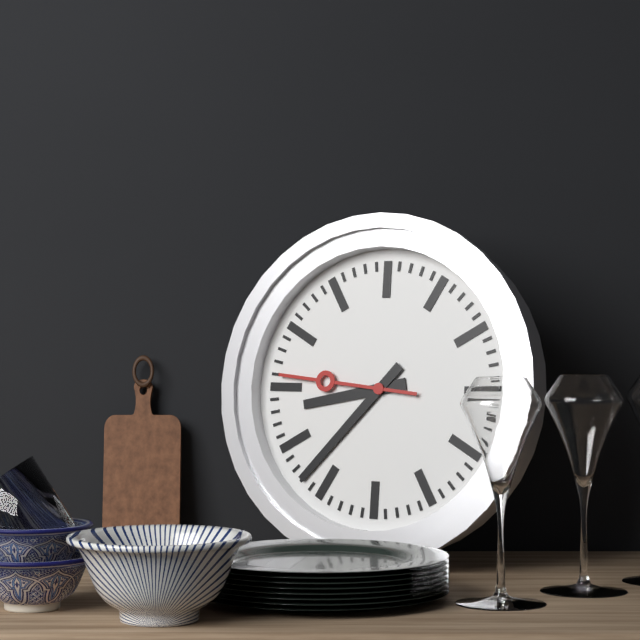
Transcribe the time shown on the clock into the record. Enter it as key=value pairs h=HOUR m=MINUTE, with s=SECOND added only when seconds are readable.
h=8 m=37 s=46
